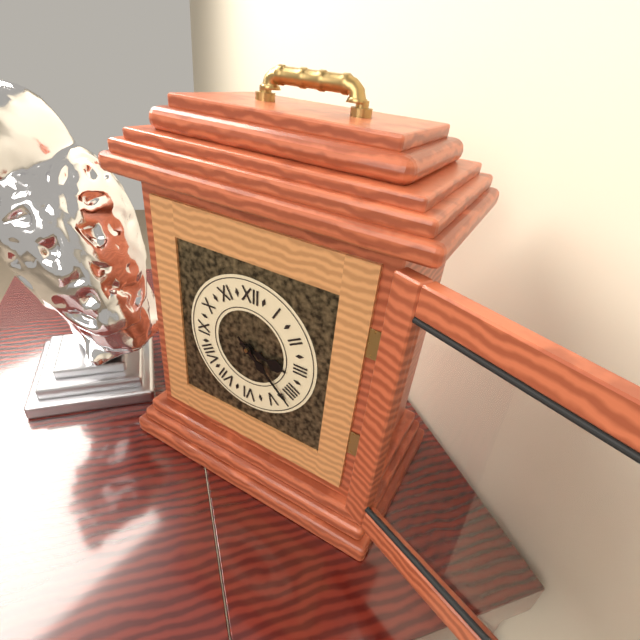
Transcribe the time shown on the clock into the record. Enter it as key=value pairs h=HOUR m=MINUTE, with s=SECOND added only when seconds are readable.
h=3 m=22
